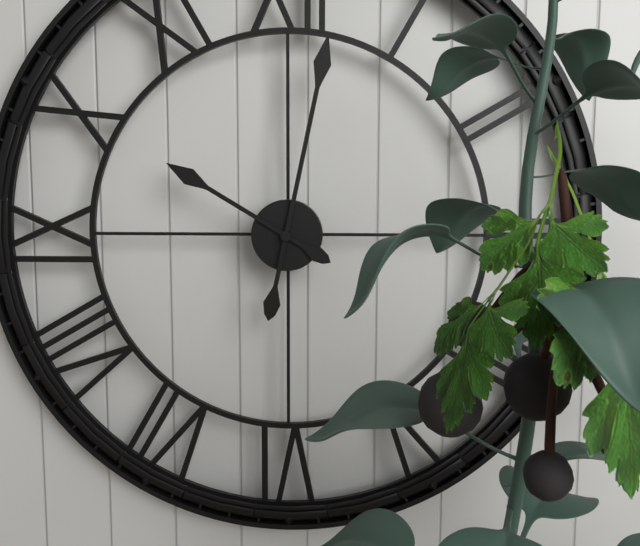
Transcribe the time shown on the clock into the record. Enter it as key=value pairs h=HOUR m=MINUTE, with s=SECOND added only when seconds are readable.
h=10 m=2
